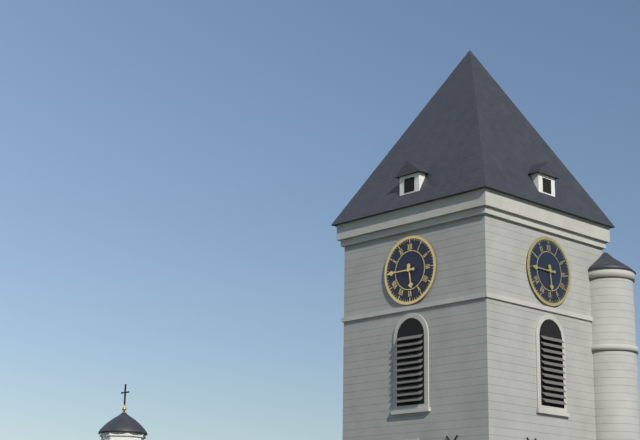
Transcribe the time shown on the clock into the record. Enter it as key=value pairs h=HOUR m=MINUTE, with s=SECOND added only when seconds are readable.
h=5 m=45
